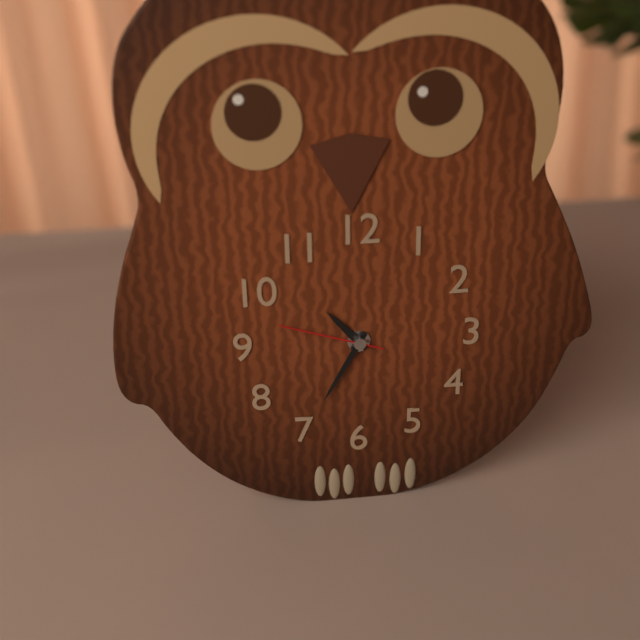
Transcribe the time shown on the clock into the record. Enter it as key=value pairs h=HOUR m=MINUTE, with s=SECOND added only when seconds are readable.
h=10 m=35 s=48
